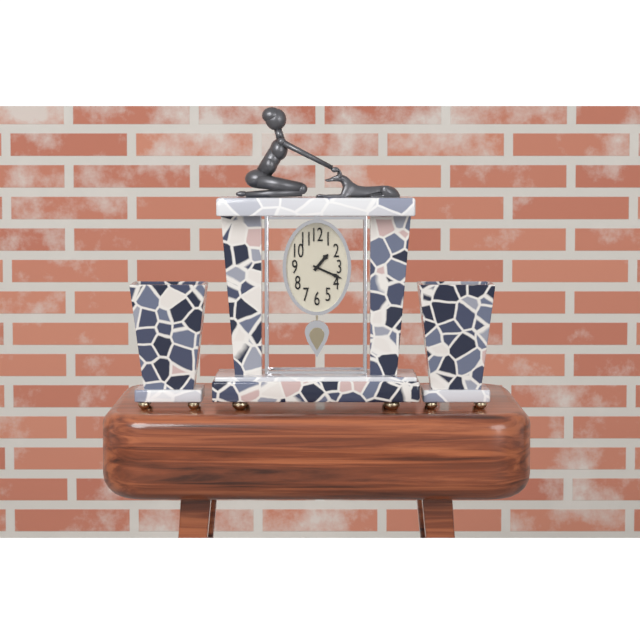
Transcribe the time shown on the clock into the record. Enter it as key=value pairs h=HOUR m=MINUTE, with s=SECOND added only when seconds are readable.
h=1 m=19
